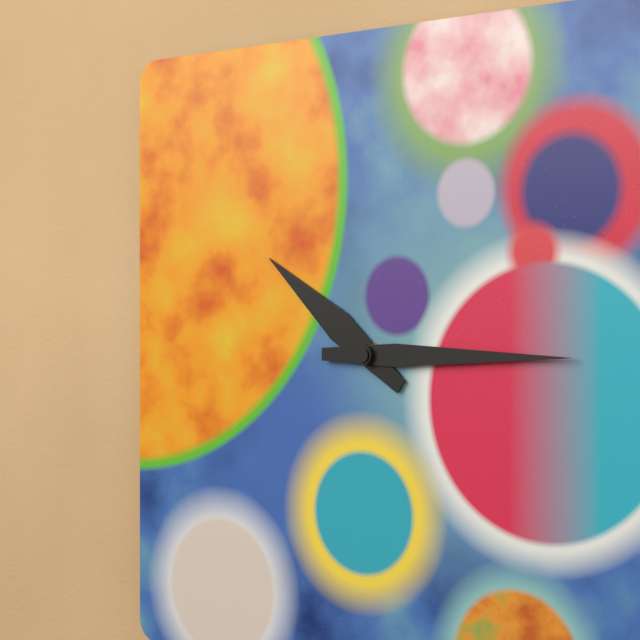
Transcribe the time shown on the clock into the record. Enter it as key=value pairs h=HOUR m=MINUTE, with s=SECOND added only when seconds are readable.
h=10 m=15
